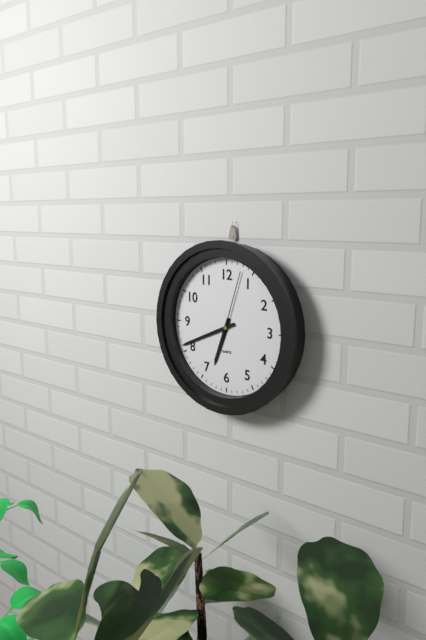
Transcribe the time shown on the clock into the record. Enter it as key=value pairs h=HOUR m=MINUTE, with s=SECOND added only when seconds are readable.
h=6 m=41 s=3
